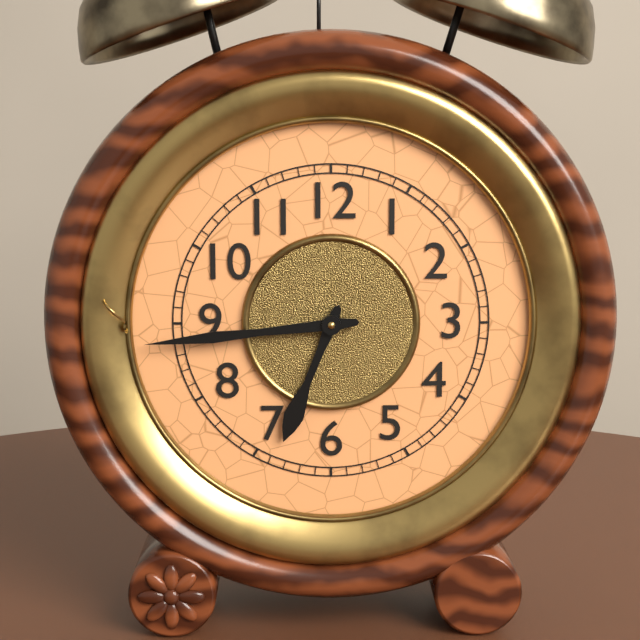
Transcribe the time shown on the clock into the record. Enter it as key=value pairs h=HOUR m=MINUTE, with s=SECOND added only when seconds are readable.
h=6 m=44
